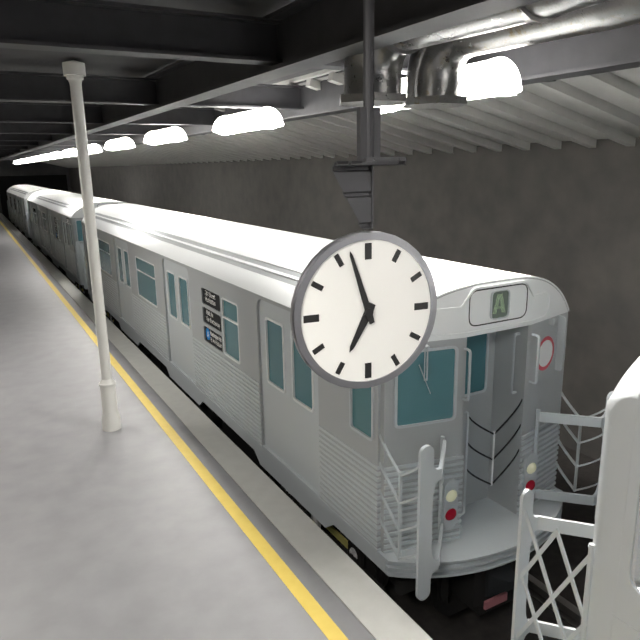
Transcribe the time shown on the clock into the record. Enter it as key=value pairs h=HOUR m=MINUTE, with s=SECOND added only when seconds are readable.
h=6 m=57
